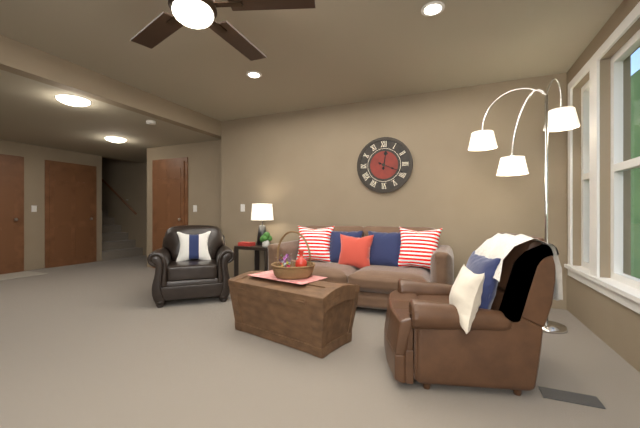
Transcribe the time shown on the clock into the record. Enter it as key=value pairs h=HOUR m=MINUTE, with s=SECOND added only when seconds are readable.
h=12 m=19
